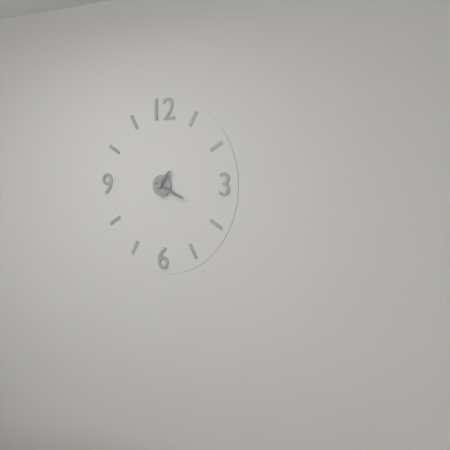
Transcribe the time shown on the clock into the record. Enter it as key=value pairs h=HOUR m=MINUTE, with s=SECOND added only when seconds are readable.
h=1 m=19
